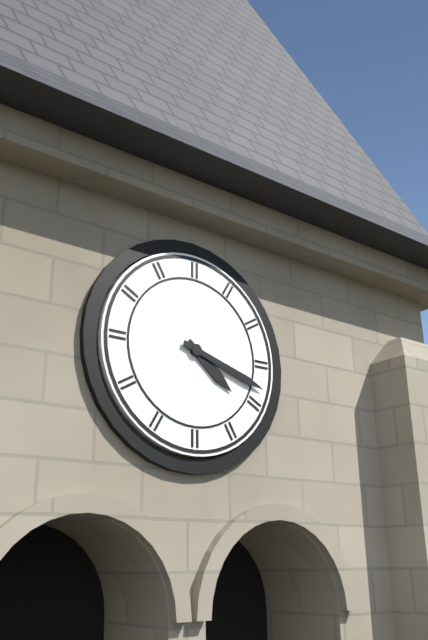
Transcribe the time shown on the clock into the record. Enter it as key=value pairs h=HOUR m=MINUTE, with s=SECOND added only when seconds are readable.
h=4 m=18
